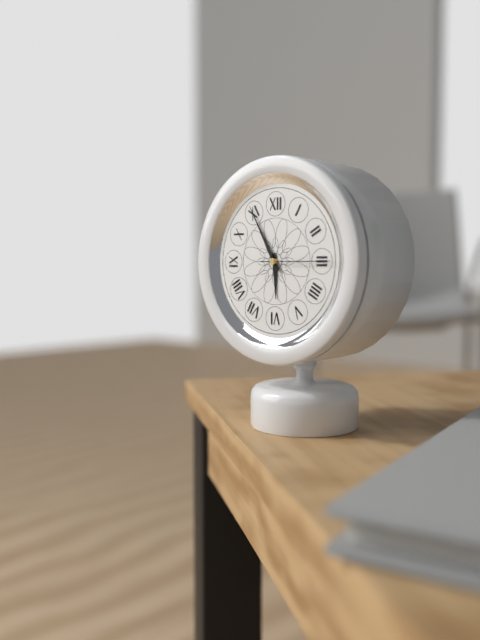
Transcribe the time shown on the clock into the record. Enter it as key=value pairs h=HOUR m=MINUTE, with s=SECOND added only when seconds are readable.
h=5 m=55 s=15
